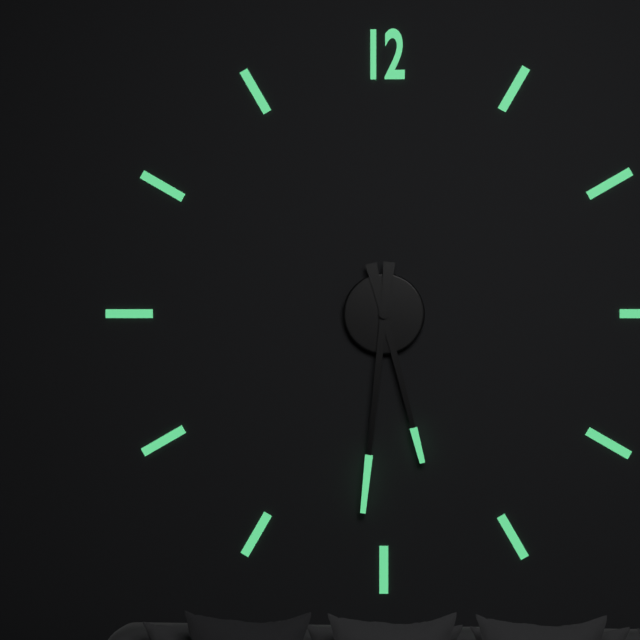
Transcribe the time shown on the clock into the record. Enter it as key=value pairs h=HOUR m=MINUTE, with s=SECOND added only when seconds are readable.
h=5 m=31
